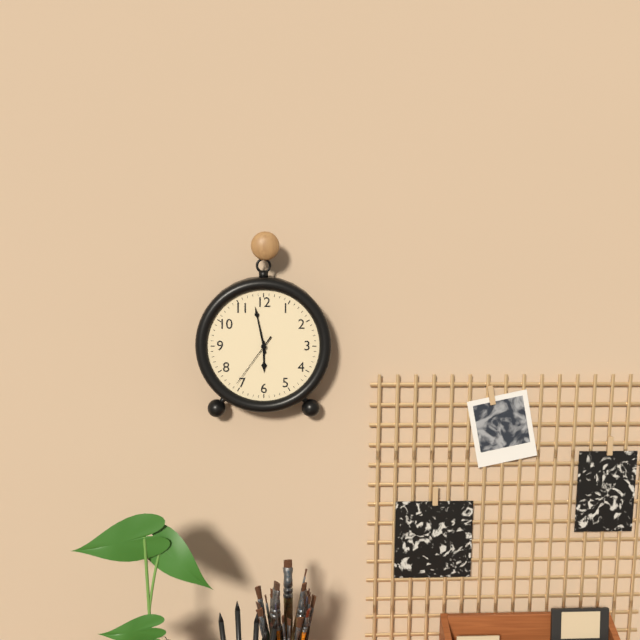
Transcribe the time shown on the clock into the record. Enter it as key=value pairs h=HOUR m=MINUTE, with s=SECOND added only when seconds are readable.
h=5 m=58 s=36
